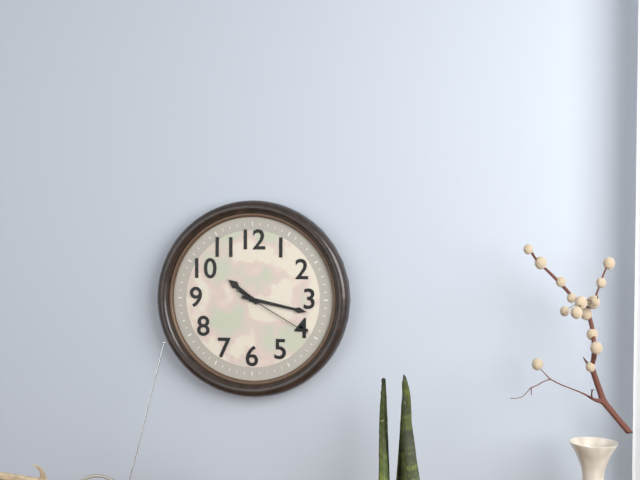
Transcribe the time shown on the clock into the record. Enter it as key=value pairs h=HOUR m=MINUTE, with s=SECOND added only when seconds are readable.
h=10 m=17 s=20
